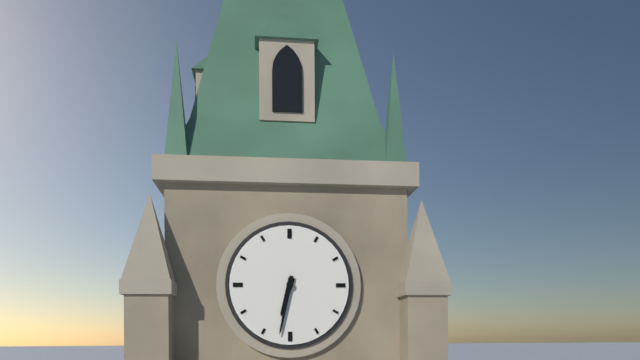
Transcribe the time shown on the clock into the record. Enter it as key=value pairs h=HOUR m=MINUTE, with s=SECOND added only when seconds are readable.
h=6 m=32
